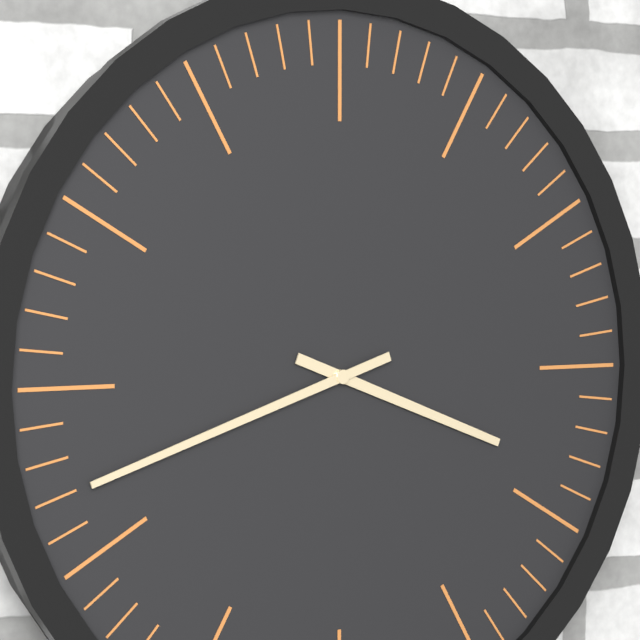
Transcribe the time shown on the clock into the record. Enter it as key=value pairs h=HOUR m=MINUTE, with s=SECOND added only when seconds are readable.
h=3 m=42
